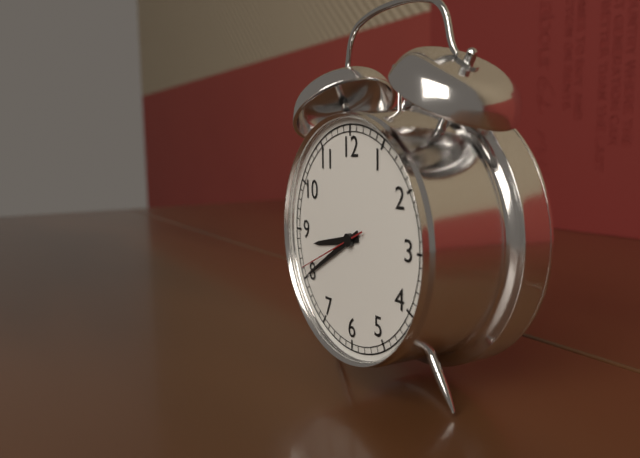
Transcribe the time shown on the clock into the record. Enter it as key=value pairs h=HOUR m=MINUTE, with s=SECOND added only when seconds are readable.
h=8 m=40 s=41
